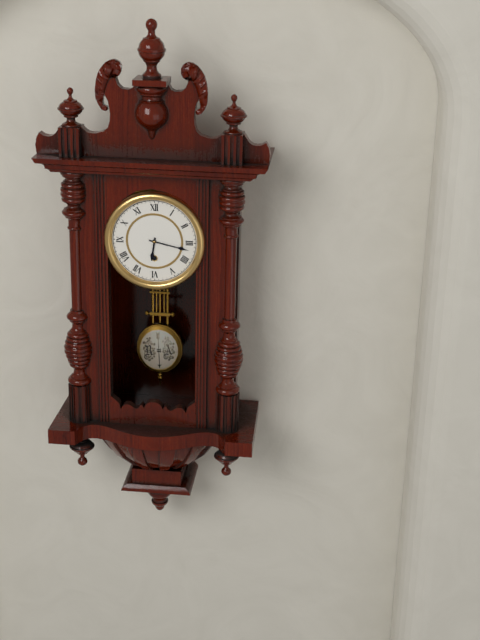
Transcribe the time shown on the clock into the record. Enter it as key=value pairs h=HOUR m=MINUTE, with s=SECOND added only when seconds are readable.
h=6 m=17
